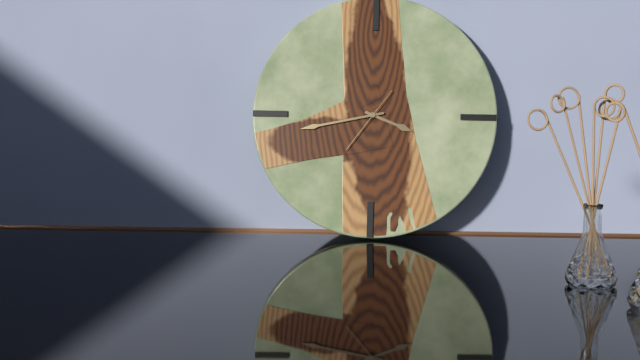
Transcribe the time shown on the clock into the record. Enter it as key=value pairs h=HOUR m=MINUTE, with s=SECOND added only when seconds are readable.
h=3 m=43 s=36
